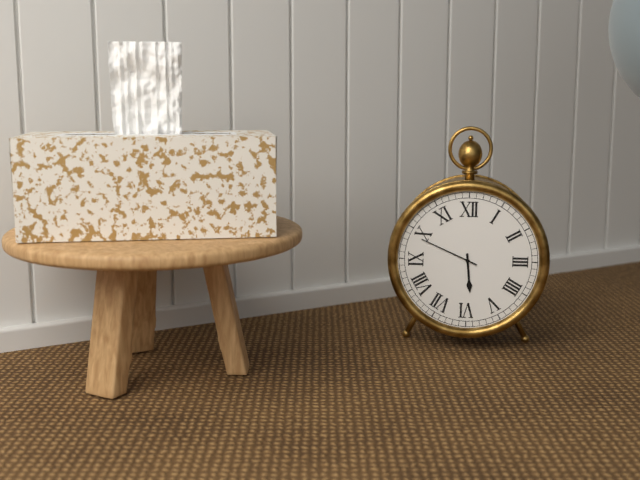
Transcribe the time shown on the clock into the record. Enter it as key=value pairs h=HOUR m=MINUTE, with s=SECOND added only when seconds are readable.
h=5 m=49
